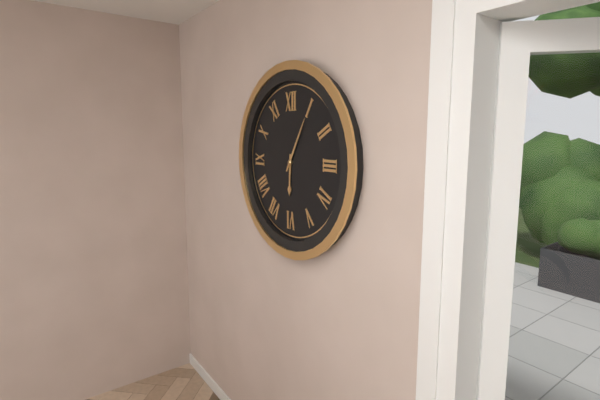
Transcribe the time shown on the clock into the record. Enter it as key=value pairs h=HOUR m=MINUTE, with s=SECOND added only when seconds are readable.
h=6 m=5
